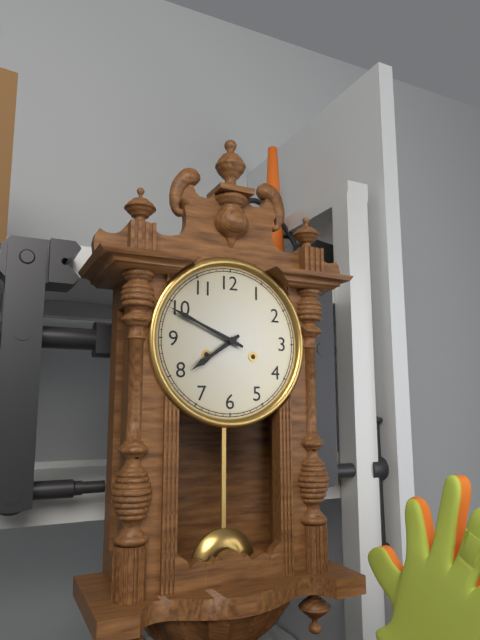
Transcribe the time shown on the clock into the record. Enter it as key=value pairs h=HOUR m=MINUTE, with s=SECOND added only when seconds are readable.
h=7 m=49
